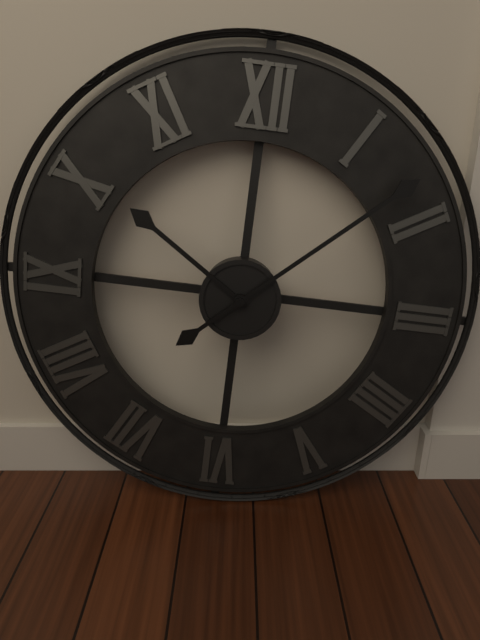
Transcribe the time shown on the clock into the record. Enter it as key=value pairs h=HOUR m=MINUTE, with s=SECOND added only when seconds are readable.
h=10 m=8
